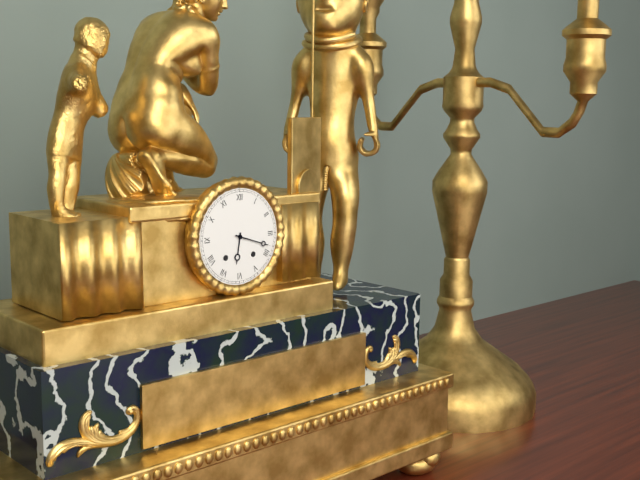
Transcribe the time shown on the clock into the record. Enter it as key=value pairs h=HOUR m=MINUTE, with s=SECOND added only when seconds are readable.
h=6 m=18
